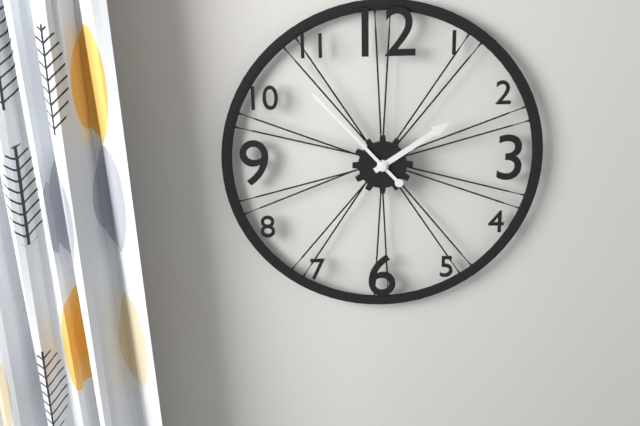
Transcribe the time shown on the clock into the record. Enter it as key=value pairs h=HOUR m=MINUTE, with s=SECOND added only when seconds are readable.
h=1 m=53
